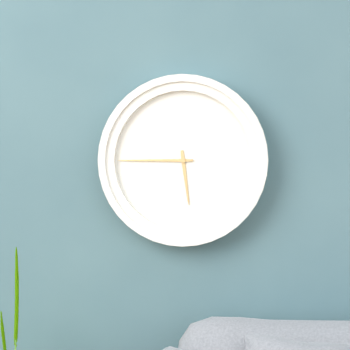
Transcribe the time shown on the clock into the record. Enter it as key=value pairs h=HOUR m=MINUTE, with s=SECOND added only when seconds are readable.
h=5 m=45
